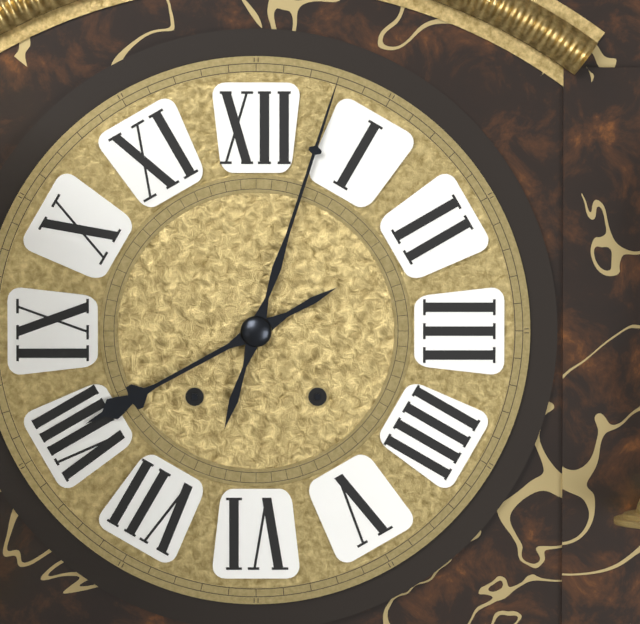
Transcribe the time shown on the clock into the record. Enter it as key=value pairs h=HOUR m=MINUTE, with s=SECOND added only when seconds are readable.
h=8 m=3
